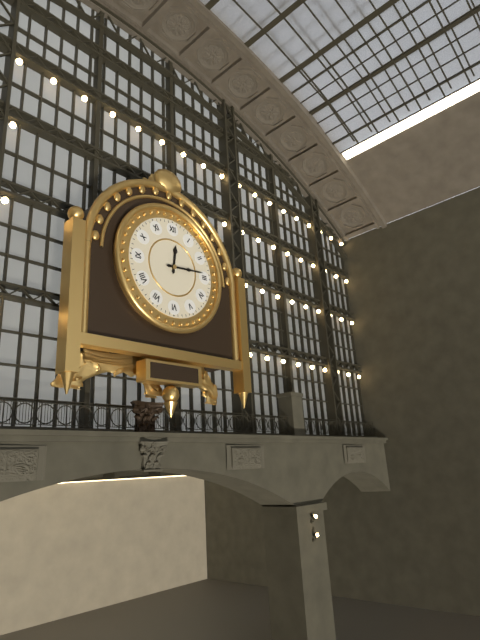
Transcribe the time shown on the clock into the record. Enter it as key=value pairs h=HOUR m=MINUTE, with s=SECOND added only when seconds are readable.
h=12 m=14
